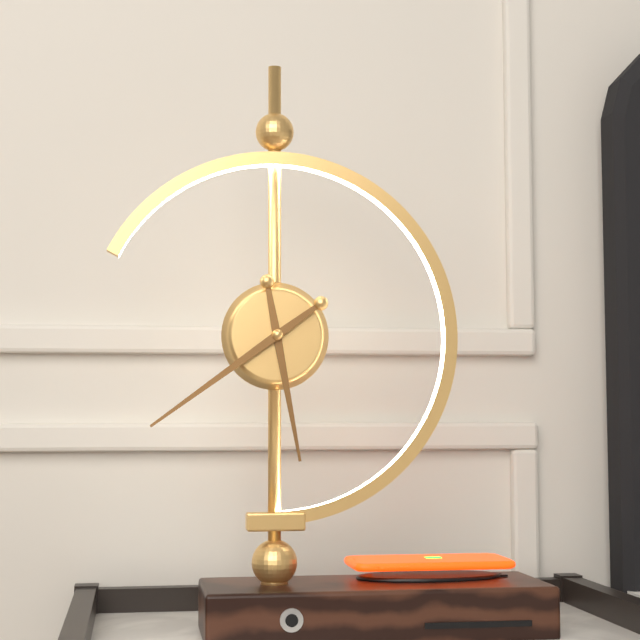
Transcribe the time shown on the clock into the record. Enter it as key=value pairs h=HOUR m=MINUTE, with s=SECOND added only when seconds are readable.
h=5 m=39
